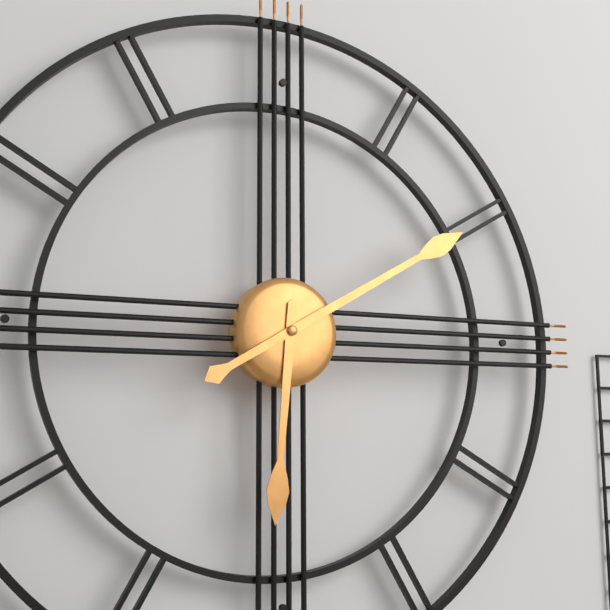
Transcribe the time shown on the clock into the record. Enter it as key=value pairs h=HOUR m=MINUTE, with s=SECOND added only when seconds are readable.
h=6 m=10
